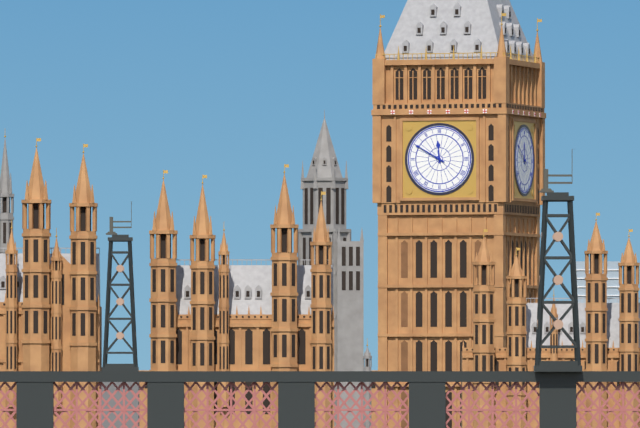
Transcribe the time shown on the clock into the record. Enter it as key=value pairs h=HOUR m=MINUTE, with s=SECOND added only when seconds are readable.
h=11 m=50
